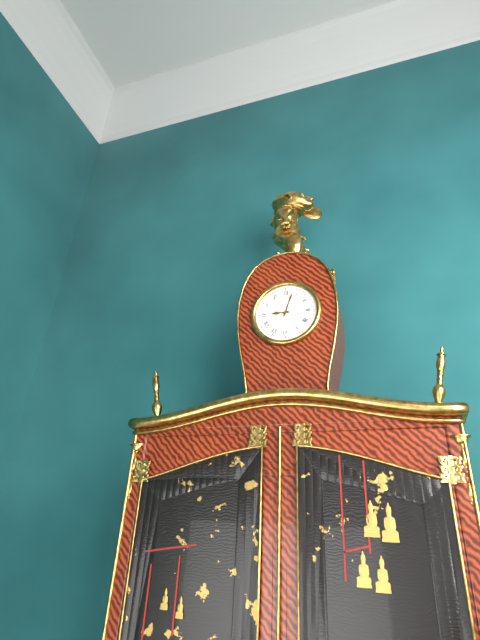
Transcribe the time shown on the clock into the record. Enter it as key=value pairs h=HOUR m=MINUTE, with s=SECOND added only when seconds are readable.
h=9 m=3
